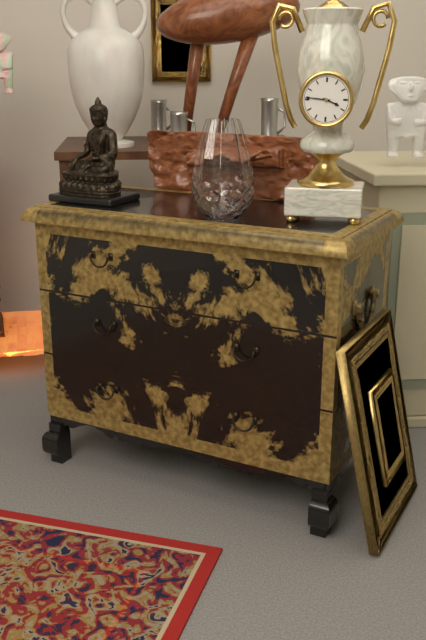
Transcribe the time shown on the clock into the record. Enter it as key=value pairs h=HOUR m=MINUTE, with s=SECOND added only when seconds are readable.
h=3 m=46
